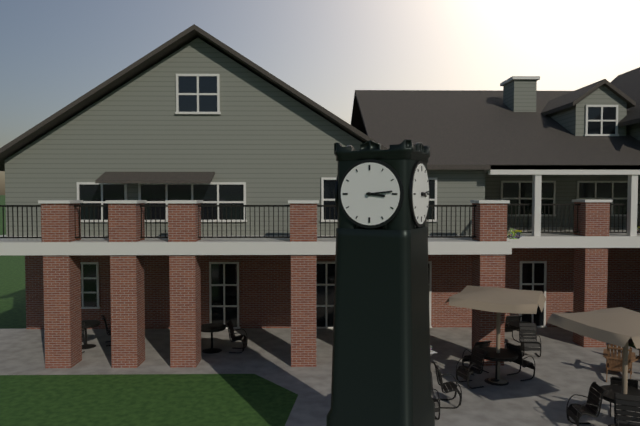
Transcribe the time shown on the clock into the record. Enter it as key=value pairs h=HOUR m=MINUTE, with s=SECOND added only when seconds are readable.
h=3 m=14
